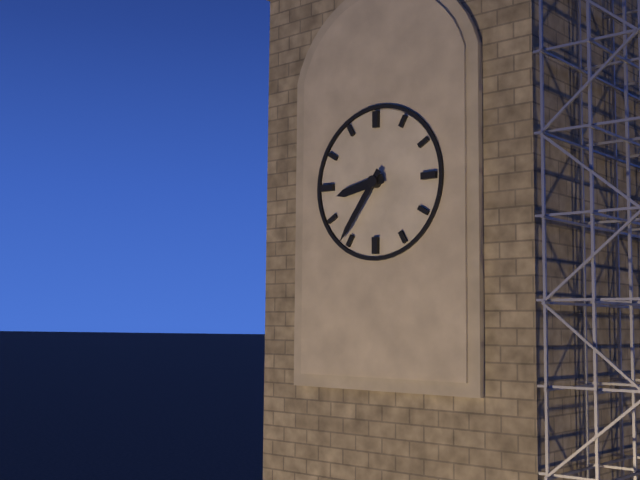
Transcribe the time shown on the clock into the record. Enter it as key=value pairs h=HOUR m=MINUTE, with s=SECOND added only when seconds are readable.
h=8 m=36
